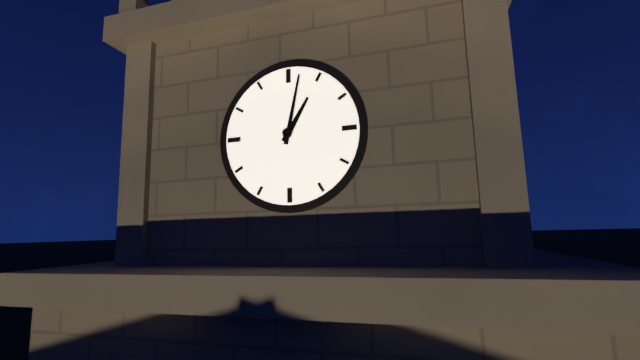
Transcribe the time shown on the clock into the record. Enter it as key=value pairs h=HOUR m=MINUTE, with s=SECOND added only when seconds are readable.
h=1 m=2
